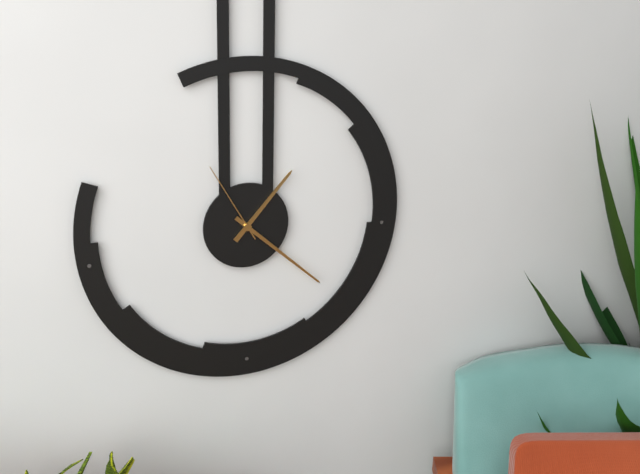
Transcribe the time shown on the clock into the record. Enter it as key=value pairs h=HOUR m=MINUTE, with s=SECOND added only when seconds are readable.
h=1 m=22 s=55
